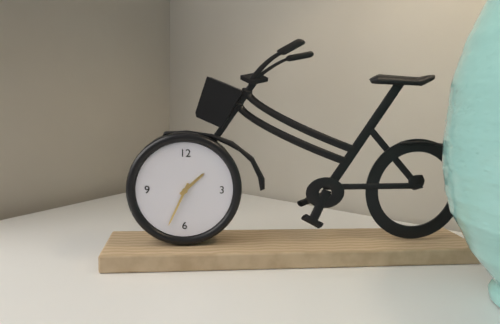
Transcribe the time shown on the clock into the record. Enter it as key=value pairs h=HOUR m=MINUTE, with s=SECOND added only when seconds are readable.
h=1 m=34
